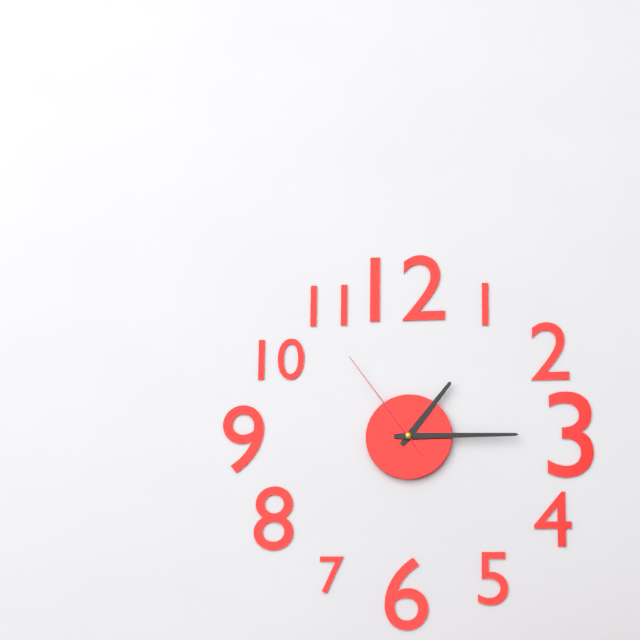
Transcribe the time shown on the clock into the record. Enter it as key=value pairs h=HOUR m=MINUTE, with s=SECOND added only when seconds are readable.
h=1 m=15 s=54
